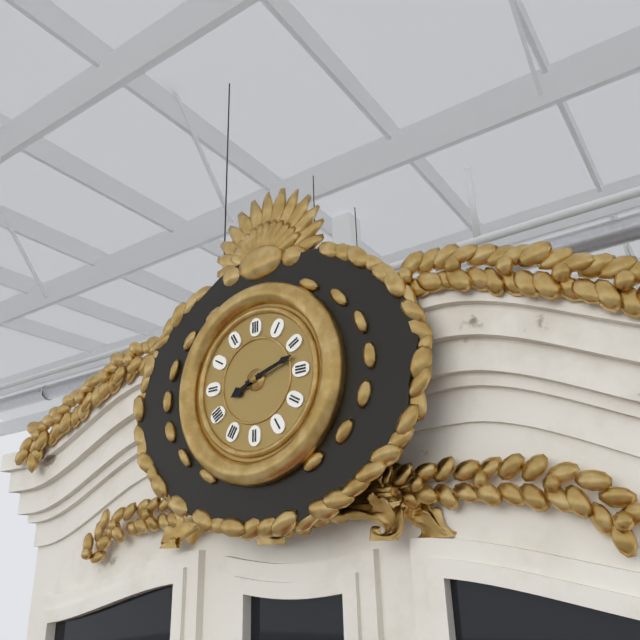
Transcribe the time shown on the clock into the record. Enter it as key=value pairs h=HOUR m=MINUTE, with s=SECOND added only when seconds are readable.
h=8 m=12
